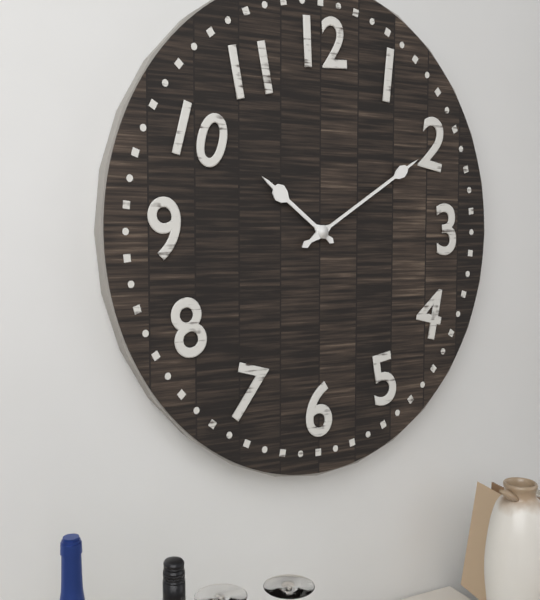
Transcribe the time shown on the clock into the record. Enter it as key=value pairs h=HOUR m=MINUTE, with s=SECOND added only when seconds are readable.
h=10 m=10
